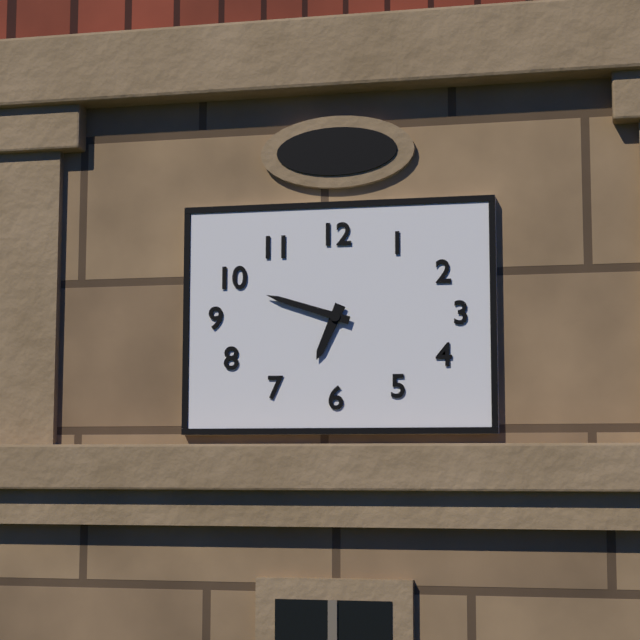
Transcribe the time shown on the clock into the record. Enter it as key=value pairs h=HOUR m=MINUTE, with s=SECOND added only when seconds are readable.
h=6 m=48
